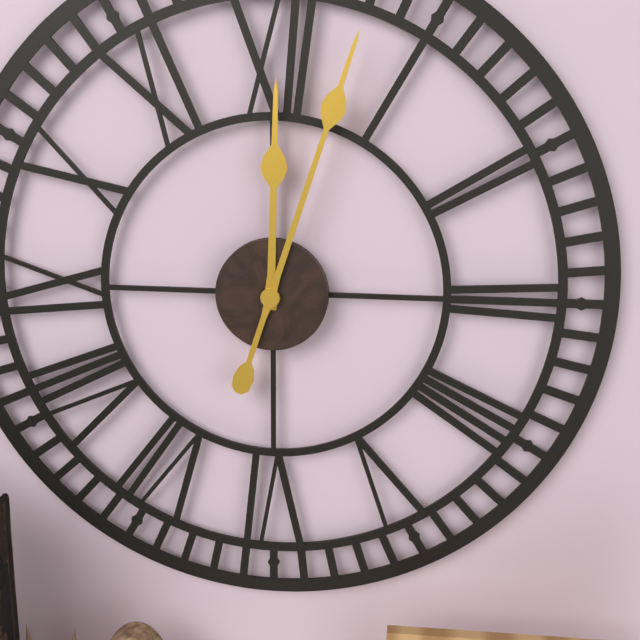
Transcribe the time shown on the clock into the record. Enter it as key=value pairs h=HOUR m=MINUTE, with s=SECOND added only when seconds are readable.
h=12 m=3
